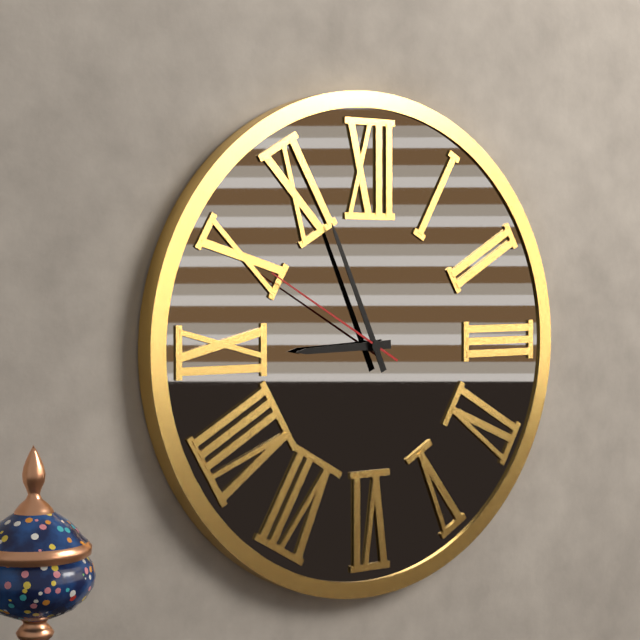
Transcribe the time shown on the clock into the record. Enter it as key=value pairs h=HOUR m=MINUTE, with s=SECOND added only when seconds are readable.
h=8 m=56 s=50
